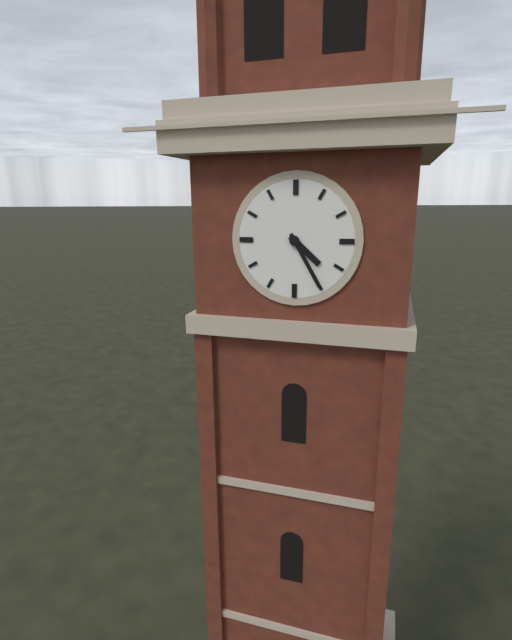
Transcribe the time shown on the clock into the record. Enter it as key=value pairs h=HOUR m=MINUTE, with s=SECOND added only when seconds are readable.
h=4 m=25
